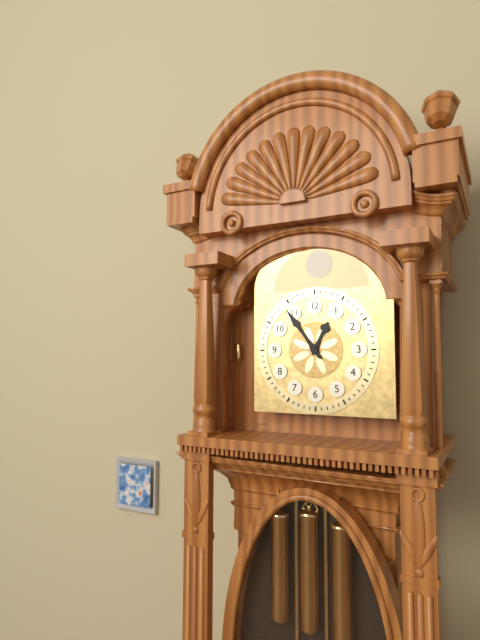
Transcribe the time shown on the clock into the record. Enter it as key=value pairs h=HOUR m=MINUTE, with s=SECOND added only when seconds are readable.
h=12 m=54
